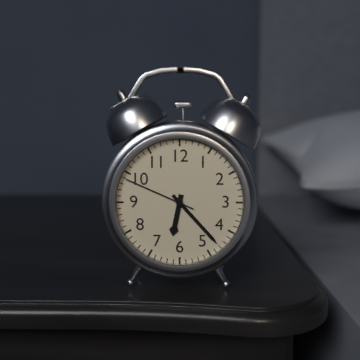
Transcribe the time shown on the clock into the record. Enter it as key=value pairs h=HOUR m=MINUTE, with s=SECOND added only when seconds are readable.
h=6 m=23 s=49
